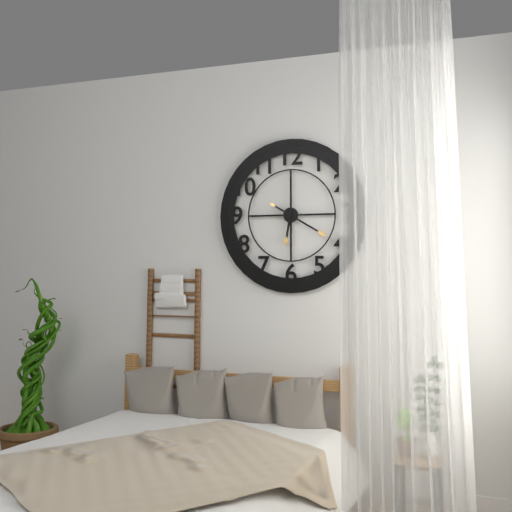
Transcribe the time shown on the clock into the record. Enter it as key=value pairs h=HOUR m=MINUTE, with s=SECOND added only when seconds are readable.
h=6 m=20
